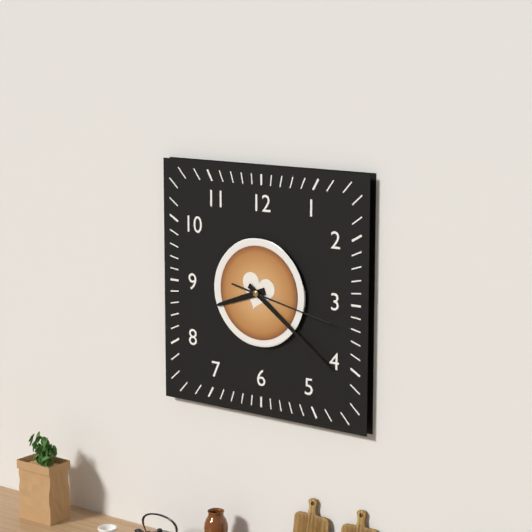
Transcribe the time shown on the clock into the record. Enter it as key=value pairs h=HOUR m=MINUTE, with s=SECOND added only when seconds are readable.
h=8 m=21 s=17
